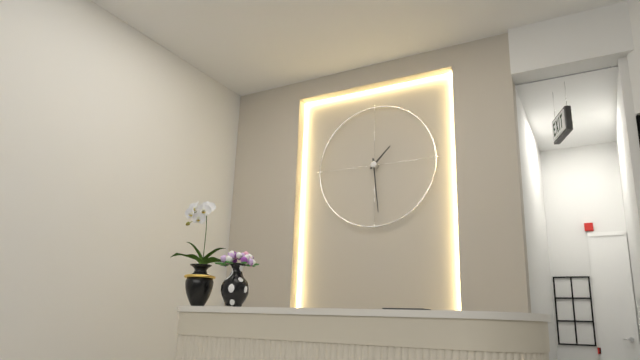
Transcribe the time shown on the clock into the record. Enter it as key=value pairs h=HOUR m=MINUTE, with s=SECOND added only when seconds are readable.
h=1 m=29
